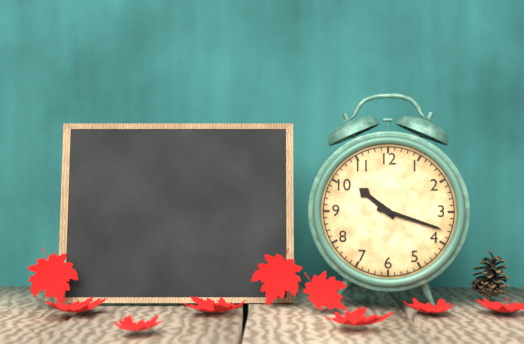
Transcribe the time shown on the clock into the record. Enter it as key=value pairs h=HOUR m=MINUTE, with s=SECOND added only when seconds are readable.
h=10 m=18
